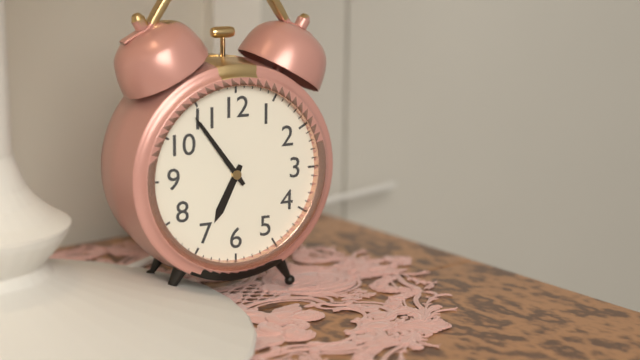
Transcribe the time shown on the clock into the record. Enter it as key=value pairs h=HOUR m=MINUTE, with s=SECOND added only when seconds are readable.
h=6 m=54
